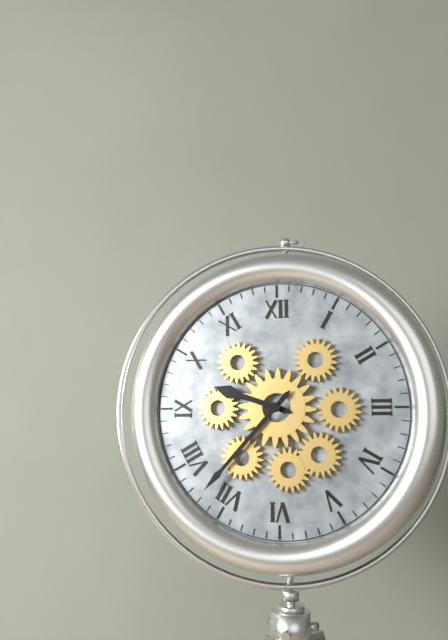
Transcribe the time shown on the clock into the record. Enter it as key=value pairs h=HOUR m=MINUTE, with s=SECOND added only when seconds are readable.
h=9 m=37
